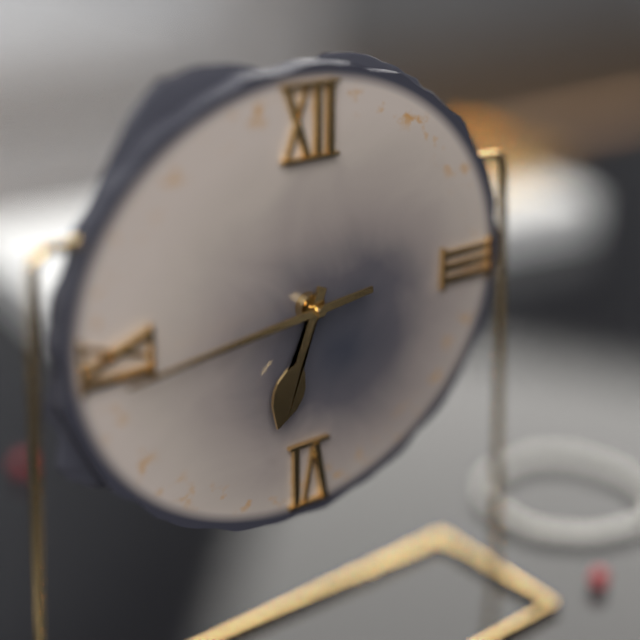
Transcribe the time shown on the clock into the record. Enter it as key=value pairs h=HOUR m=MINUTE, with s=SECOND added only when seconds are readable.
h=6 m=44
